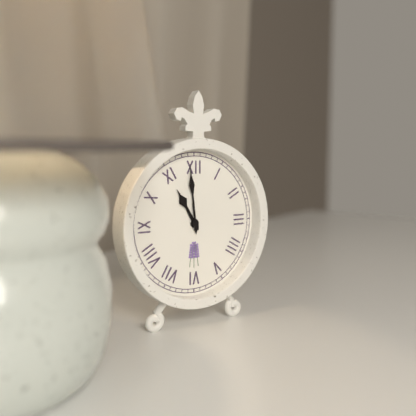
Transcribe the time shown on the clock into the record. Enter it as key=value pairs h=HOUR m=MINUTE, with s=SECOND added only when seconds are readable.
h=10 m=59
